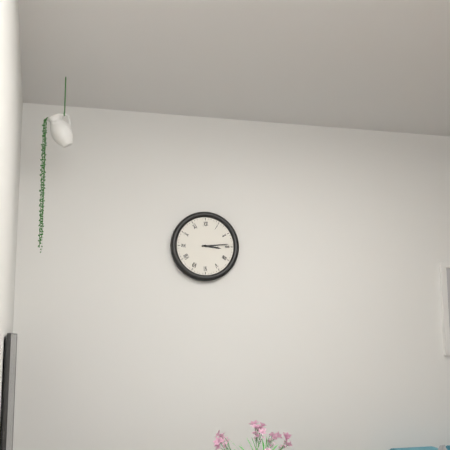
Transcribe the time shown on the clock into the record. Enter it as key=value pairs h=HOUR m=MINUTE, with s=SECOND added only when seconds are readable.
h=3 m=14
